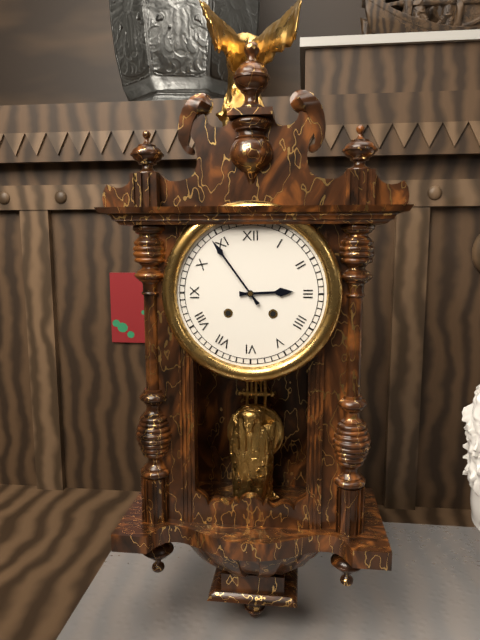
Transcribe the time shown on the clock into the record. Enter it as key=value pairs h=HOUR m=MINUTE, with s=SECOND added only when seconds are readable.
h=2 m=54
